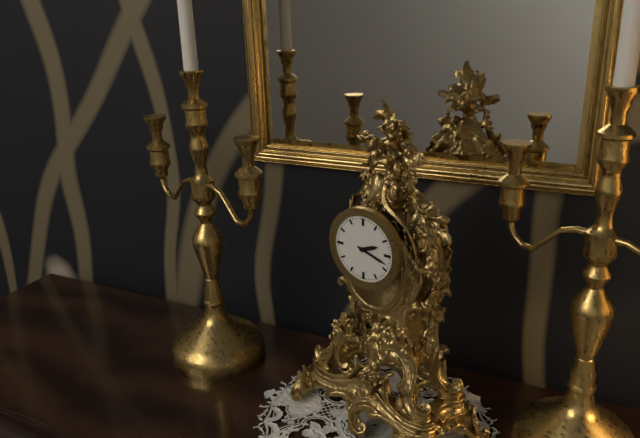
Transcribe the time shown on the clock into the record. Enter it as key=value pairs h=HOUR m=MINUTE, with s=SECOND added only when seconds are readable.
h=2 m=18
